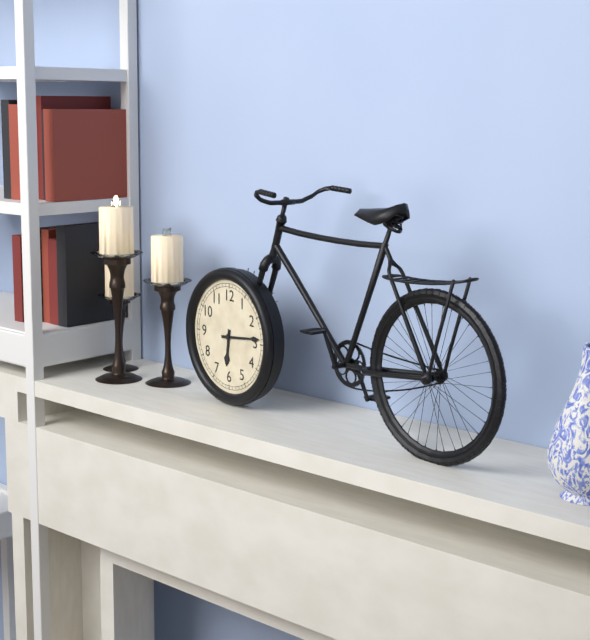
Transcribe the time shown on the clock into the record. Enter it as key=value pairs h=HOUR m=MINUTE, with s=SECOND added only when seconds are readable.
h=6 m=14
